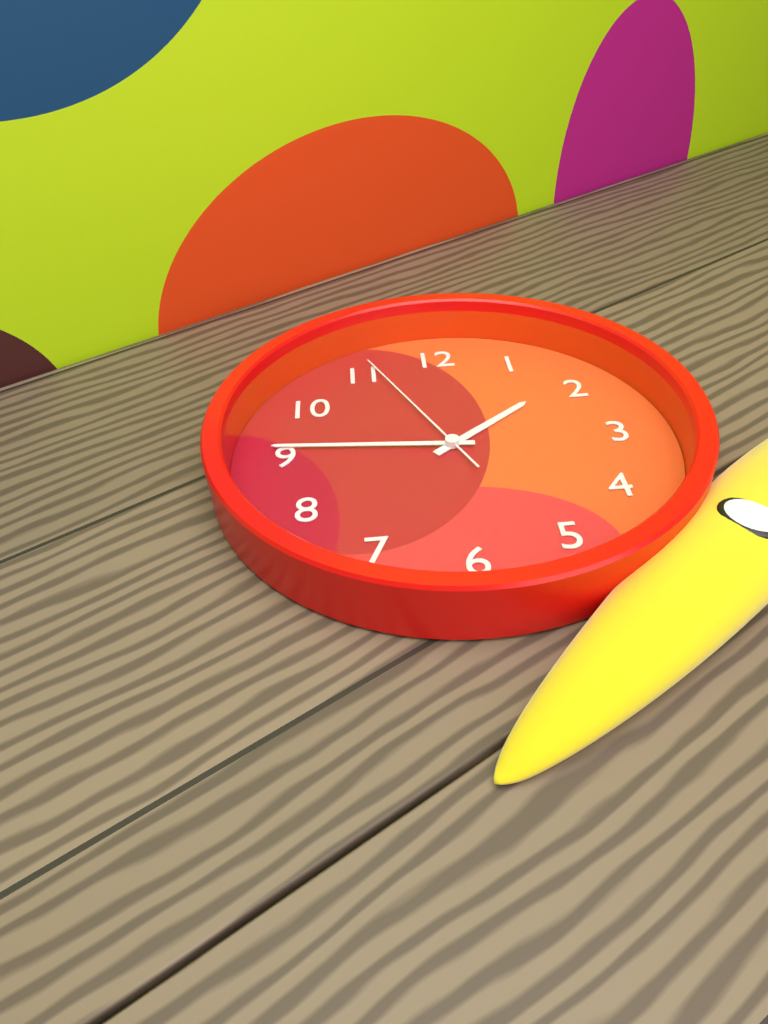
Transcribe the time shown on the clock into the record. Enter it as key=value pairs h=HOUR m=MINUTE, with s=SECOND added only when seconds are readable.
h=1 m=46 s=56
